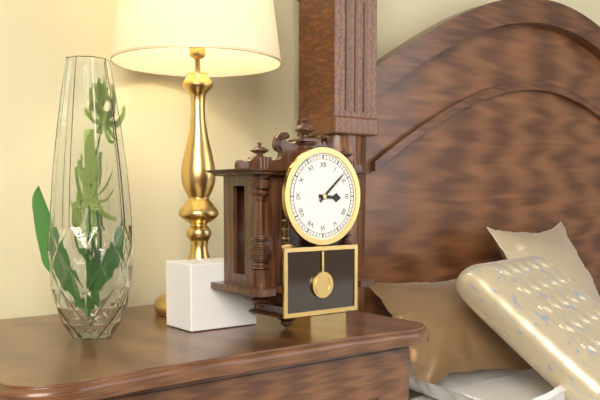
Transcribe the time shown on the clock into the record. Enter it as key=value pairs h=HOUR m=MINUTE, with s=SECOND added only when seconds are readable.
h=3 m=8
